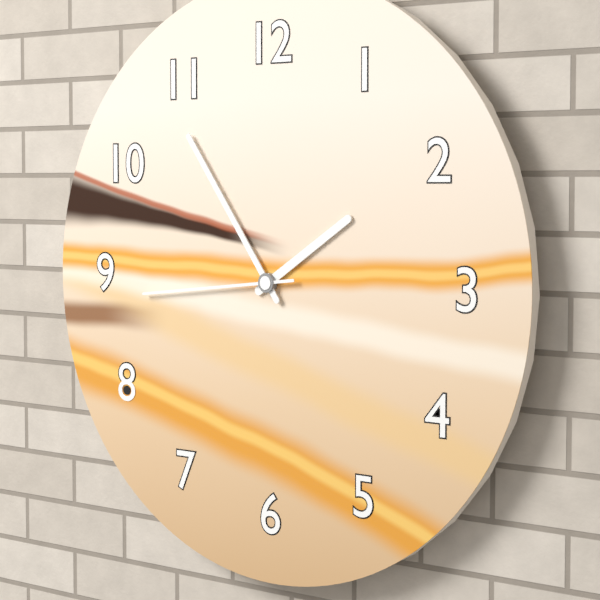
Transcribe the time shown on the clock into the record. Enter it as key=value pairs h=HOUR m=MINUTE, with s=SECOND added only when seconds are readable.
h=1 m=54 s=44
